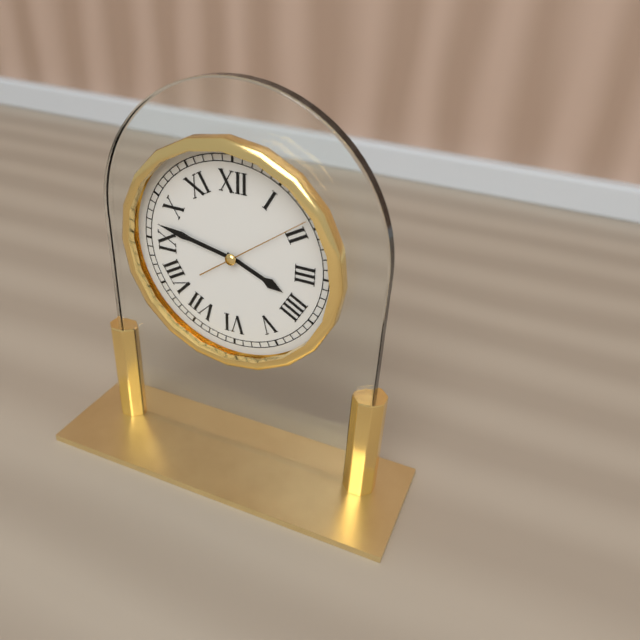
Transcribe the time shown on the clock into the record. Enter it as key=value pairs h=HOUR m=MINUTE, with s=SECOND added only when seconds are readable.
h=3 m=47 s=9
